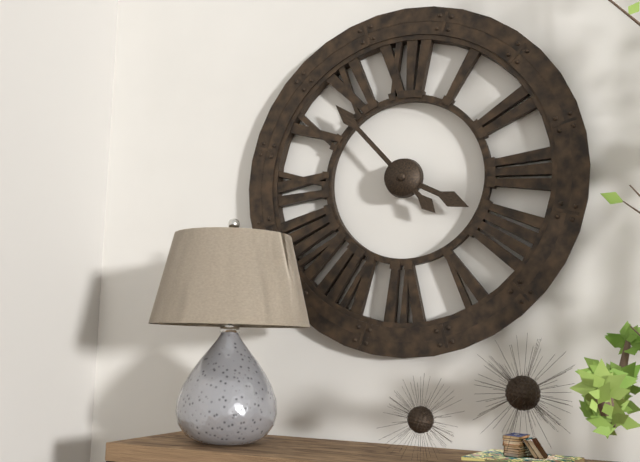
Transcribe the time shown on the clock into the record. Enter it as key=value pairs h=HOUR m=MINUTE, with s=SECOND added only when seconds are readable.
h=3 m=53
